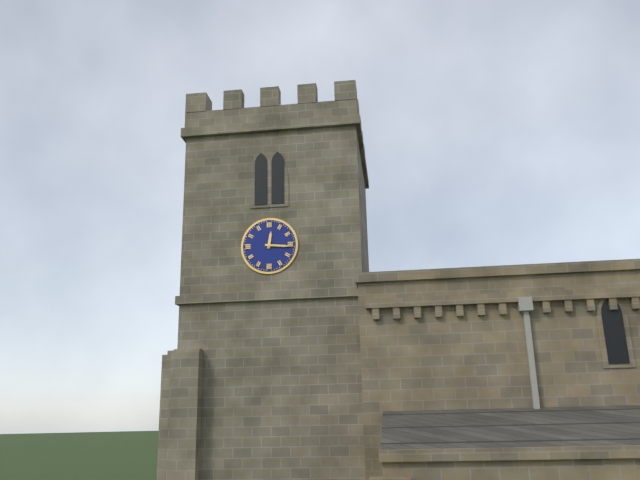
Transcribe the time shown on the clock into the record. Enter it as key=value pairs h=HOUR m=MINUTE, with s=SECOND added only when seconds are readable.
h=12 m=16
